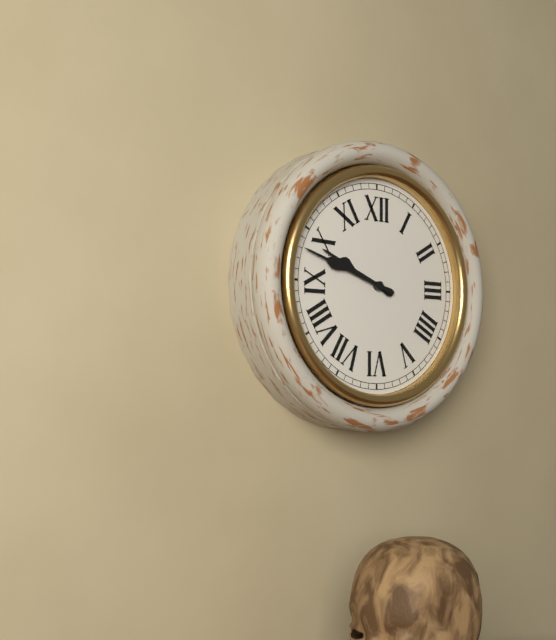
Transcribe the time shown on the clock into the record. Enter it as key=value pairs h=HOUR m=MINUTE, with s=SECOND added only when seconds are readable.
h=9 m=48
